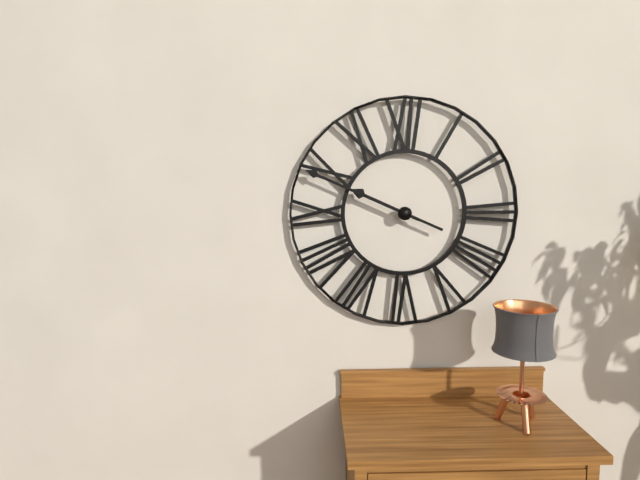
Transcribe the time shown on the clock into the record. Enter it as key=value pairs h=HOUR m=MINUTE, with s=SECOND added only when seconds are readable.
h=9 m=49
